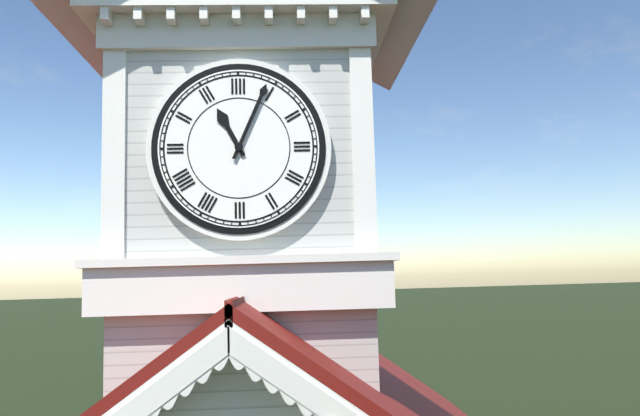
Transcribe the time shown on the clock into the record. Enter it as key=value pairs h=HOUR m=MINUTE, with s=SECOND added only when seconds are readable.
h=11 m=4
